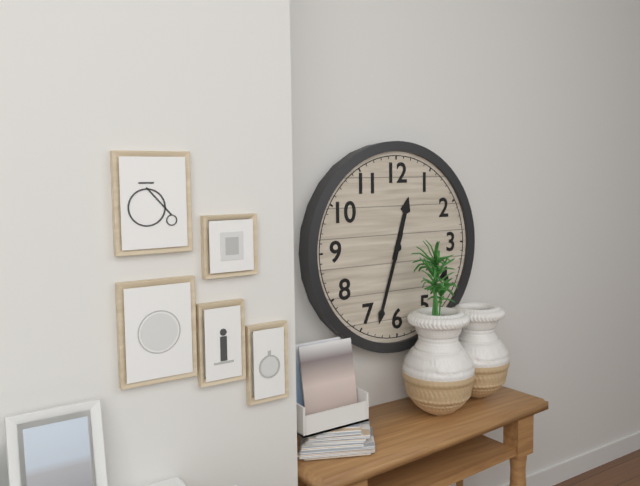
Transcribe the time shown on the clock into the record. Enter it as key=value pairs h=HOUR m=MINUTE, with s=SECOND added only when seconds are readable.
h=12 m=33
